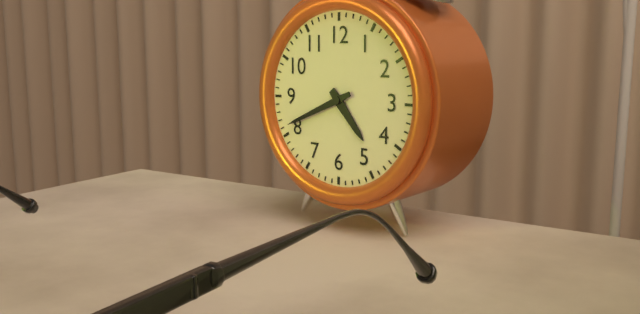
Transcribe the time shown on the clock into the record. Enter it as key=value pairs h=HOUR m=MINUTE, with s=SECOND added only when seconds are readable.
h=4 m=41
